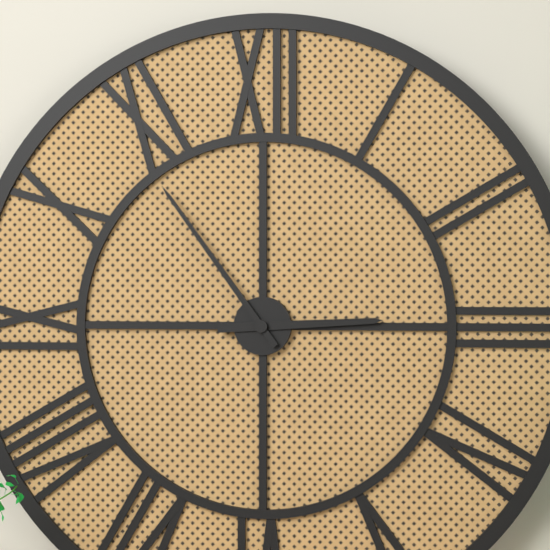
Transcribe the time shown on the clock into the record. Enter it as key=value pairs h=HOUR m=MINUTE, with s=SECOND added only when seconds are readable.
h=2 m=54
